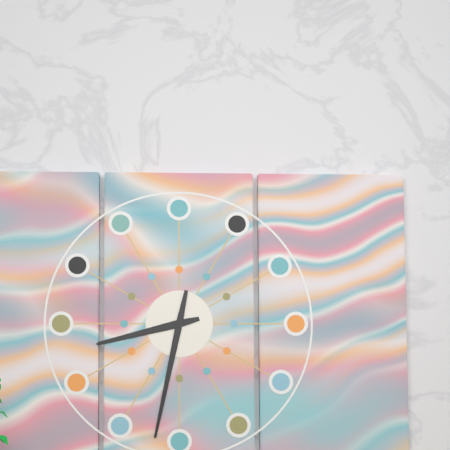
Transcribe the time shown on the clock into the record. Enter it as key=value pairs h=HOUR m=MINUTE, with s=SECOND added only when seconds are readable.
h=8 m=32
